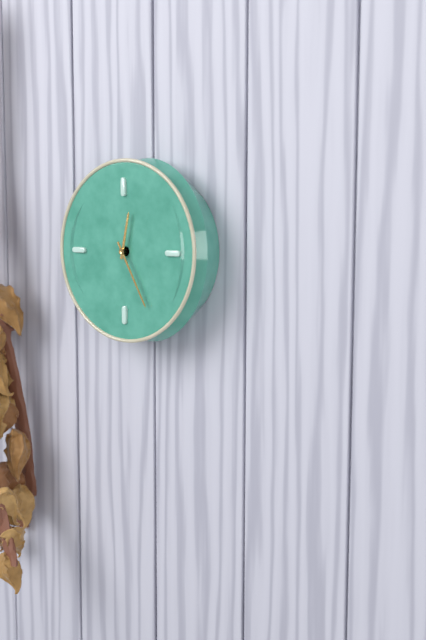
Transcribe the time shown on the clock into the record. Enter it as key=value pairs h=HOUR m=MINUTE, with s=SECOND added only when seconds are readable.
h=12 m=25
